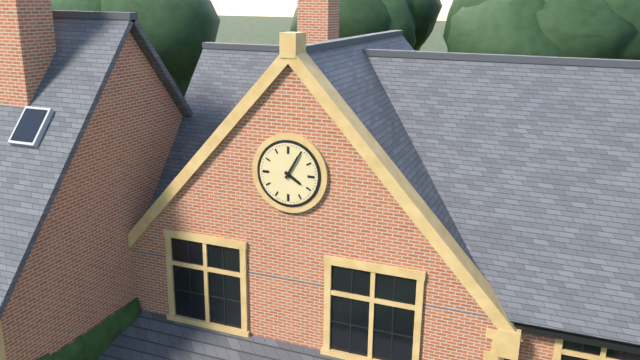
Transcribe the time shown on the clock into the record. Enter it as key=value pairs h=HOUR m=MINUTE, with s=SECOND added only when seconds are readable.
h=4 m=5
